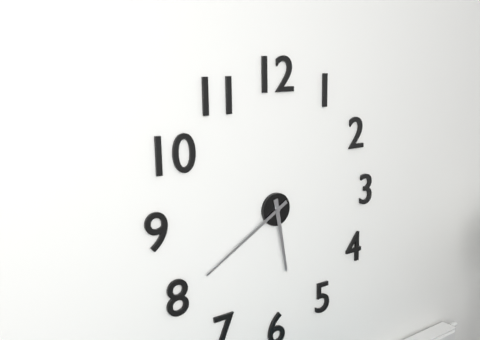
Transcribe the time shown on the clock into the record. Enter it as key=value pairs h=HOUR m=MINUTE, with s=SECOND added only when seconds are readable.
h=5 m=40
